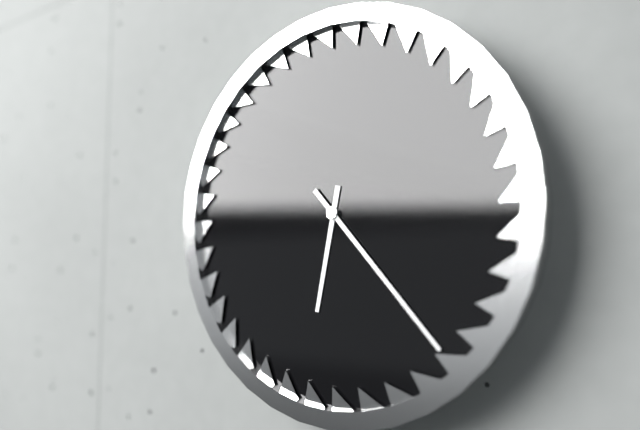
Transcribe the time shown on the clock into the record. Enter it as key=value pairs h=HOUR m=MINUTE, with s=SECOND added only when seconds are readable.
h=6 m=23
